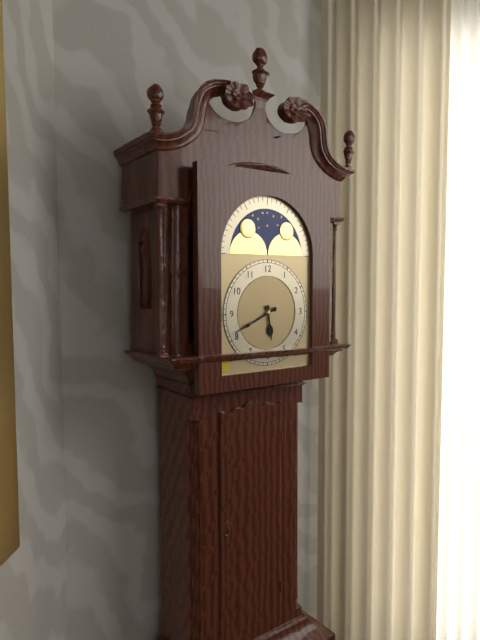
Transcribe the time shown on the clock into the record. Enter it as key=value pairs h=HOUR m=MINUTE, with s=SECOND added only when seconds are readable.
h=5 m=41
